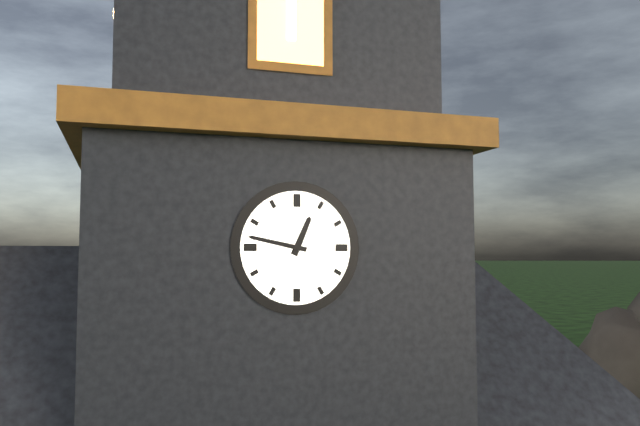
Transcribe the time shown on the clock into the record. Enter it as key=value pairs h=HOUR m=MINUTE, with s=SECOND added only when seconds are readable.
h=12 m=47
